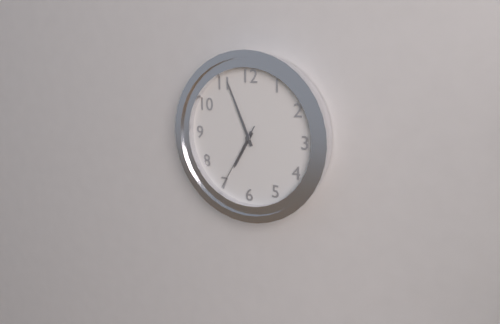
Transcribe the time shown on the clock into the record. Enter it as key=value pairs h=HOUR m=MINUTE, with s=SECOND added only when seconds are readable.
h=6 m=56 s=35
